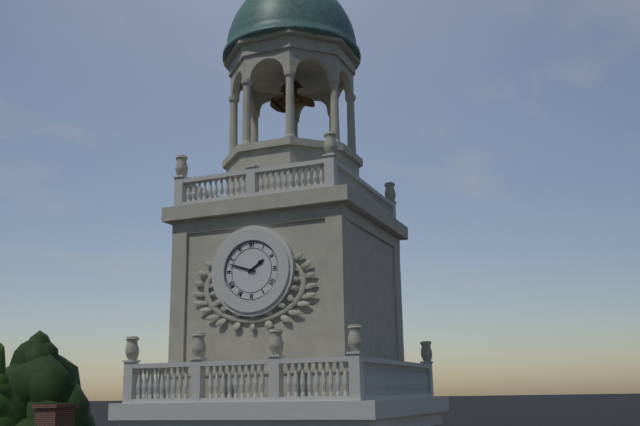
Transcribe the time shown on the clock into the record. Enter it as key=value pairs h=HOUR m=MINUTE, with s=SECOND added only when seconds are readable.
h=1 m=48
